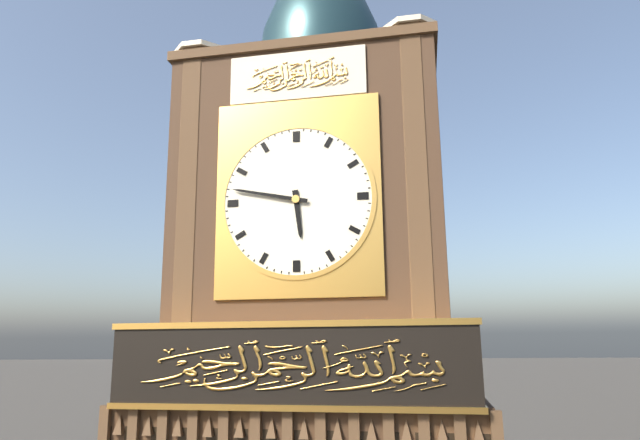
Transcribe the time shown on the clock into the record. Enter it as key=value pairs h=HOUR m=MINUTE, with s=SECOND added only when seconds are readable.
h=5 m=47
